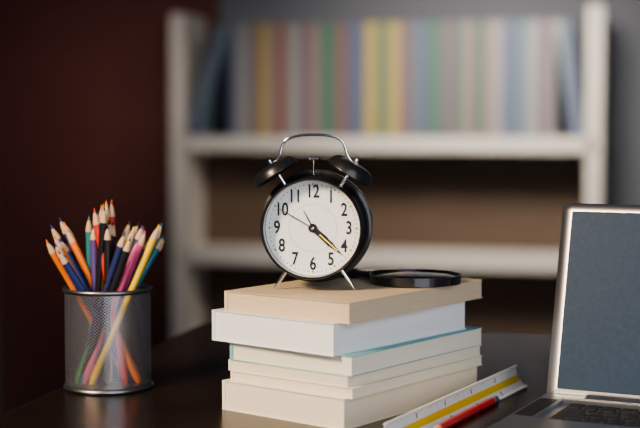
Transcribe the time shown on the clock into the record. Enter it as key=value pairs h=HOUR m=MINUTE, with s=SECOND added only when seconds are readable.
h=4 m=22 s=50
